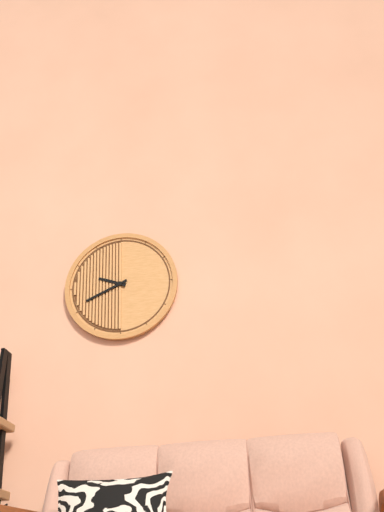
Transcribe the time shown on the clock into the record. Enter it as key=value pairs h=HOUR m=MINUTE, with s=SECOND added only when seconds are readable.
h=9 m=41
